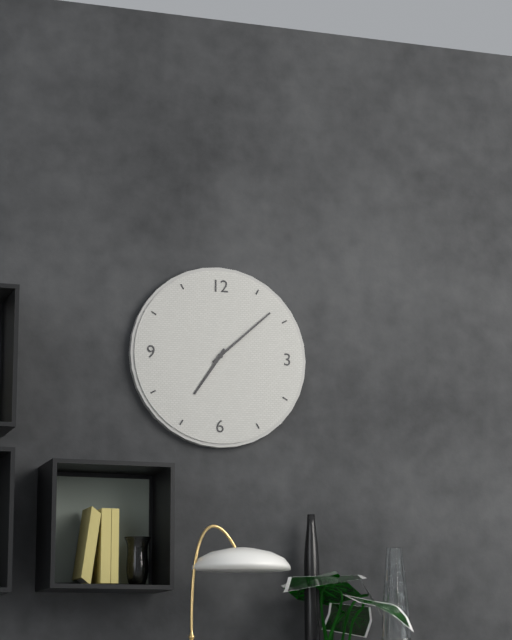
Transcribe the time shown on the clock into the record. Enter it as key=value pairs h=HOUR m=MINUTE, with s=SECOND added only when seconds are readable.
h=7 m=8
